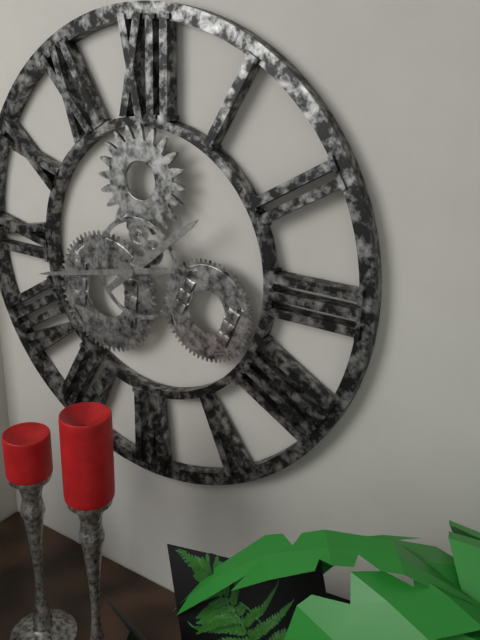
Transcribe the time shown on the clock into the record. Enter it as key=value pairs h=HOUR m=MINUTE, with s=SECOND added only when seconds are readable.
h=1 m=43
